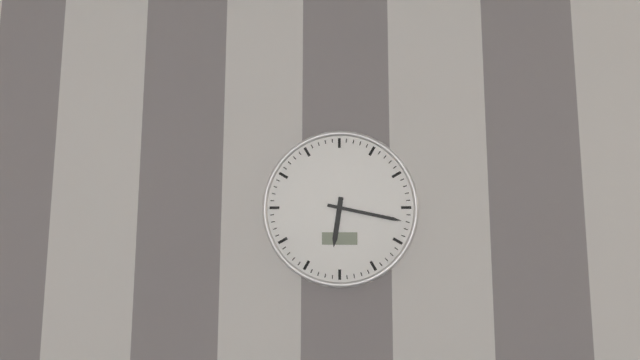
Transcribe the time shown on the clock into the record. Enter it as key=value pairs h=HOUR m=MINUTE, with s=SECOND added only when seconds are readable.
h=6 m=17
